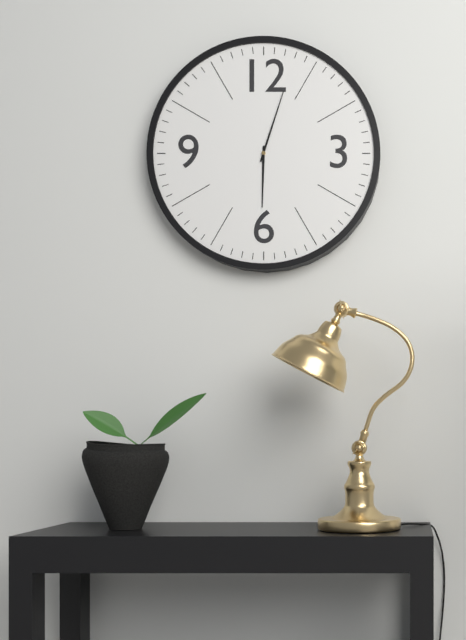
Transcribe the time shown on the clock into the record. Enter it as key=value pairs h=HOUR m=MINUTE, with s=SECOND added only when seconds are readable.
h=6 m=3
